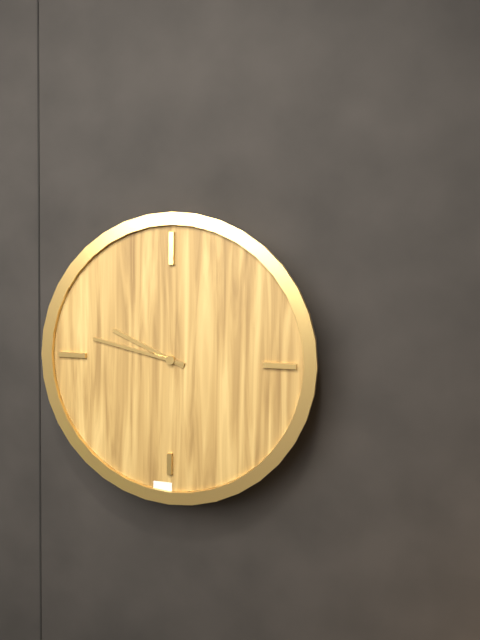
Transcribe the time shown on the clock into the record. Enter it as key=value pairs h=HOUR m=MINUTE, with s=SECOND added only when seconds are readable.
h=9 m=47
